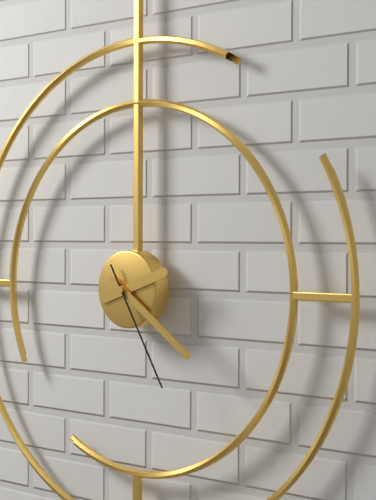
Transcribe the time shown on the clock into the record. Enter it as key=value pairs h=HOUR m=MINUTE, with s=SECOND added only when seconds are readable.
h=2 m=21 s=25
